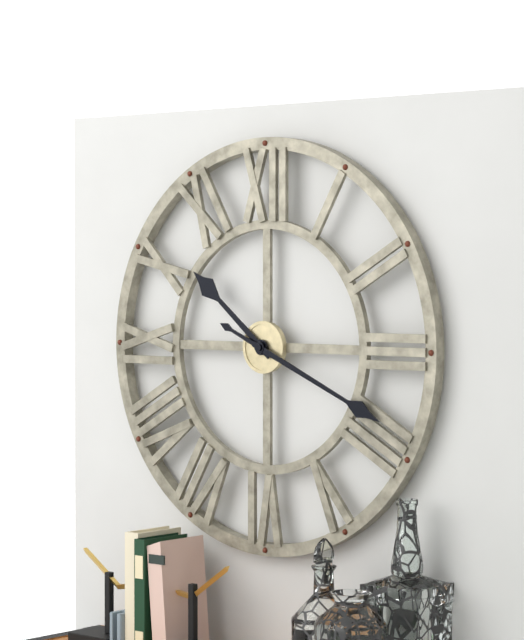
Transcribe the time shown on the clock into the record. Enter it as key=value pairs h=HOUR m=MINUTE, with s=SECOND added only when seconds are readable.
h=10 m=19
